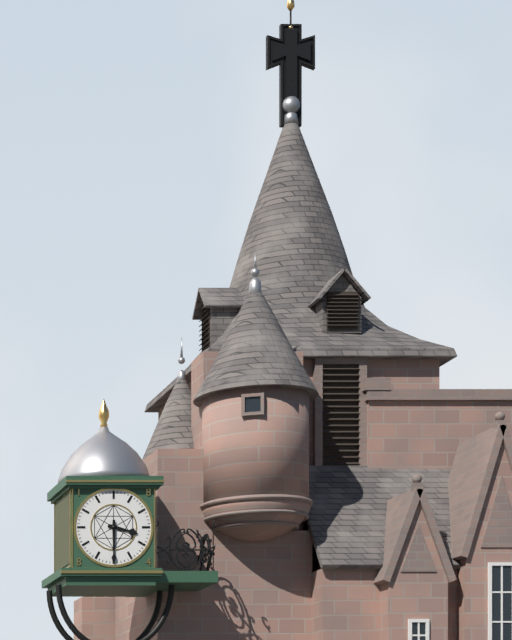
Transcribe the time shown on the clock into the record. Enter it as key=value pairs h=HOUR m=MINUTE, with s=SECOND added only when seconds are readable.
h=3 m=30
